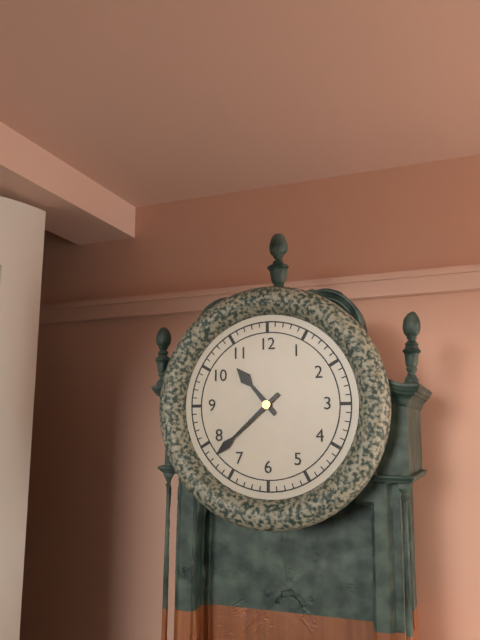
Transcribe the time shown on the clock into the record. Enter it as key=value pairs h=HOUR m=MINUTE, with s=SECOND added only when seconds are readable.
h=10 m=38
